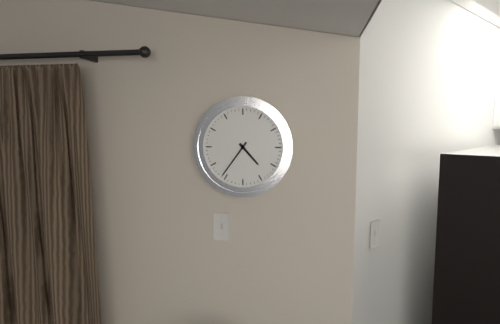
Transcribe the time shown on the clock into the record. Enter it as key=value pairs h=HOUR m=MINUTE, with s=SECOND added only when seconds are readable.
h=4 m=36
